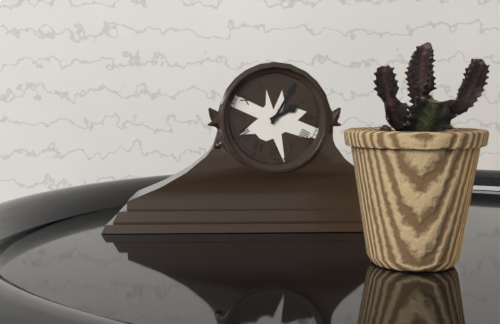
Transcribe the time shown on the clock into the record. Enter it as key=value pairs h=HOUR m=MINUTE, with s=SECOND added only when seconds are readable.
h=2 m=5
